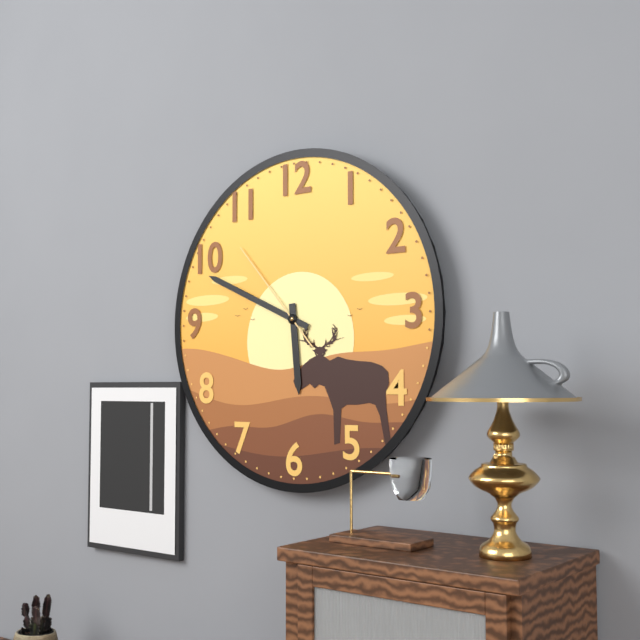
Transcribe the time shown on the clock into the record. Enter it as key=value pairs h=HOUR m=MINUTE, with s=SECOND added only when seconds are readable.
h=5 m=49 s=53
